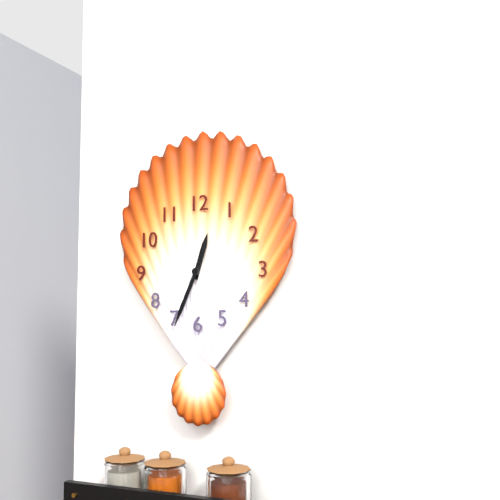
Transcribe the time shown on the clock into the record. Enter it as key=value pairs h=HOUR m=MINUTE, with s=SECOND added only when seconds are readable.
h=12 m=34
